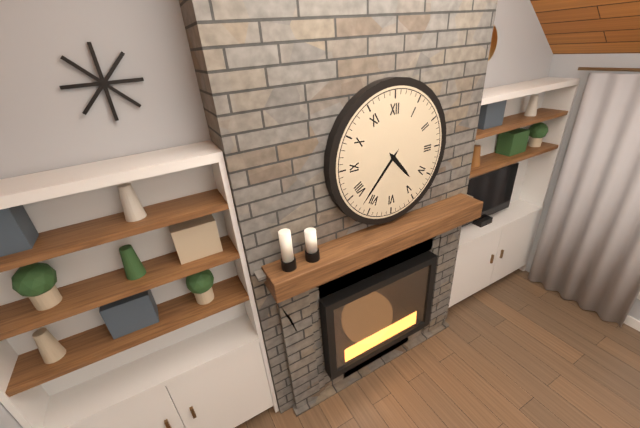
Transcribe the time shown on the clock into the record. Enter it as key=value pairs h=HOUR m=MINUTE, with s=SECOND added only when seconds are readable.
h=4 m=37
